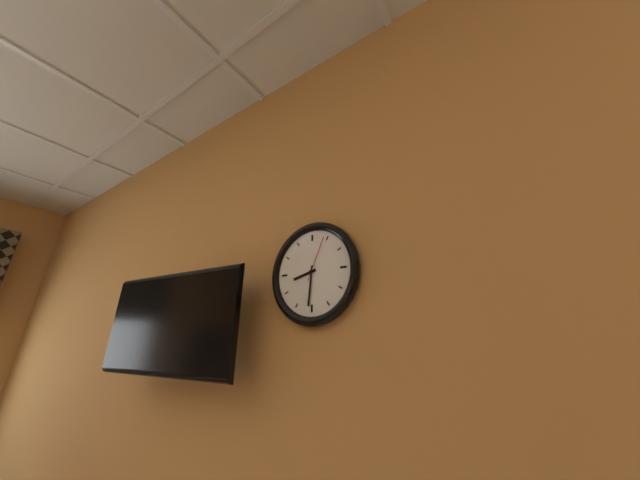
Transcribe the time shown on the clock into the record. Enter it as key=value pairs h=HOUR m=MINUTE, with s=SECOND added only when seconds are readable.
h=8 m=31
